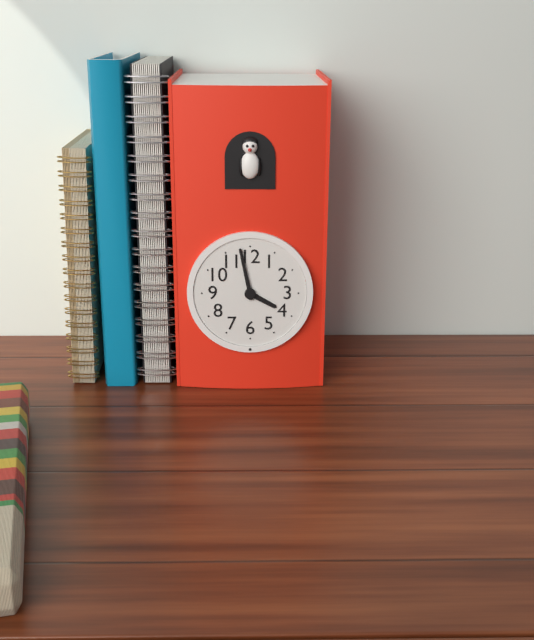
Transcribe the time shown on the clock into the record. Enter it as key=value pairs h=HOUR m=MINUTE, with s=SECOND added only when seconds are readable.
h=3 m=58
